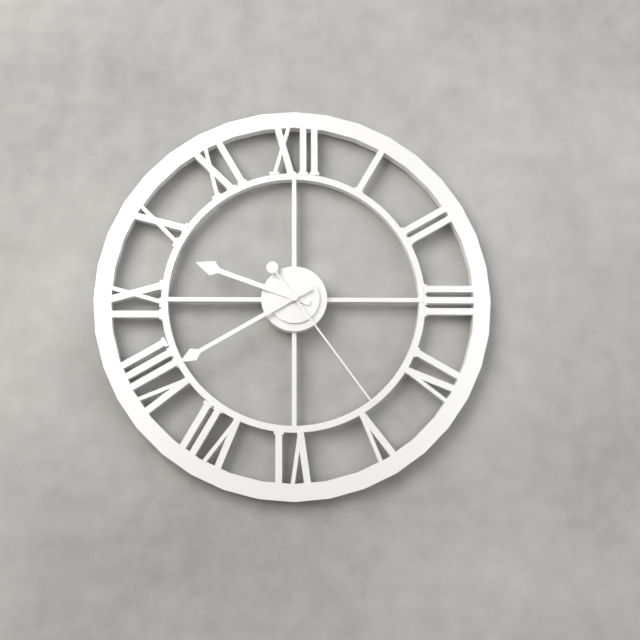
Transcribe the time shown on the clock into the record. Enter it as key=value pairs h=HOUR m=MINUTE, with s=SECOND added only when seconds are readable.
h=9 m=40 s=24
